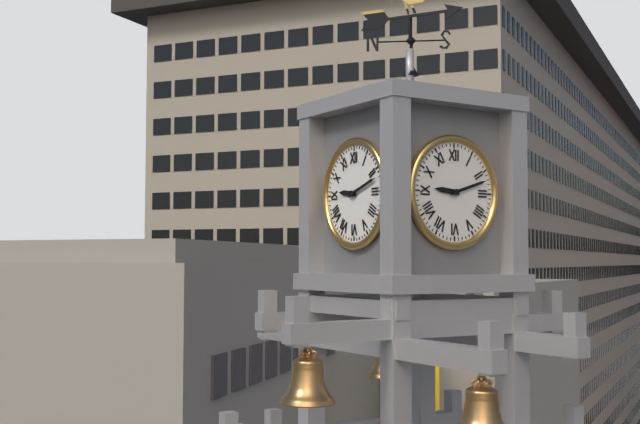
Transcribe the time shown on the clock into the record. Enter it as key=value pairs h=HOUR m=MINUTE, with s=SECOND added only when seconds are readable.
h=9 m=12
